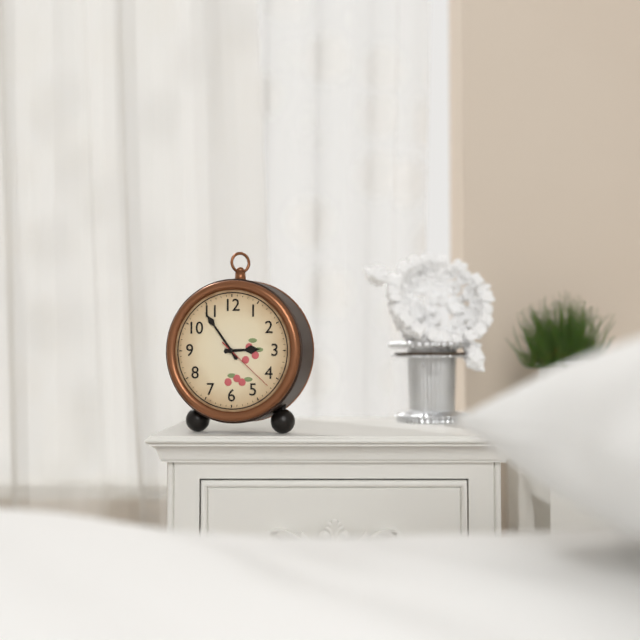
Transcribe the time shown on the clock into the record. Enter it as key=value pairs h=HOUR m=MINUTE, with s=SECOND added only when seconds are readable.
h=2 m=54 s=22
